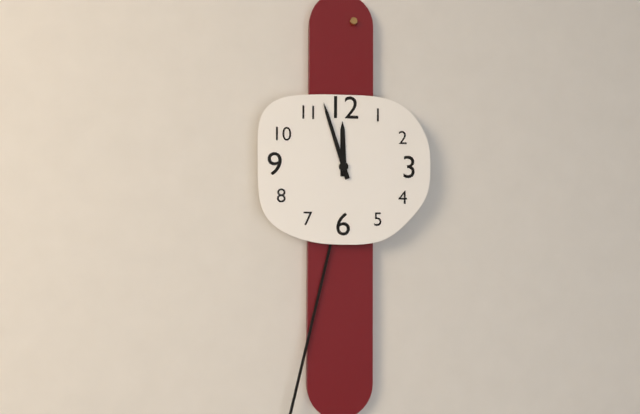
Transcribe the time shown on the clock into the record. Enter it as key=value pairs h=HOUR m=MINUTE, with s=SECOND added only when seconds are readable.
h=11 m=57
